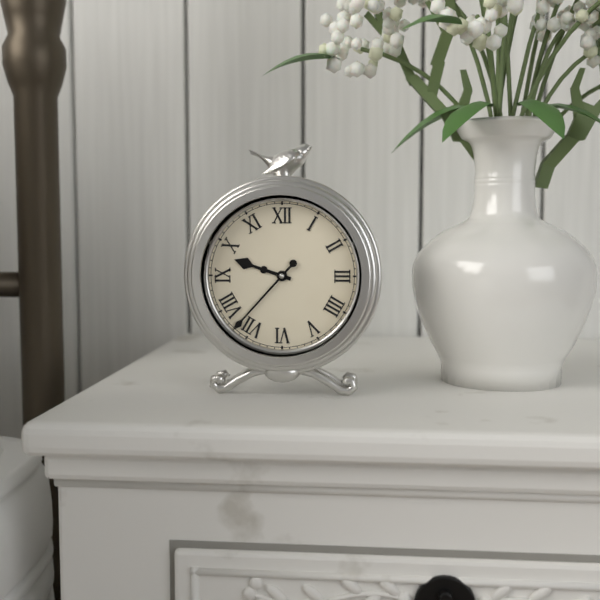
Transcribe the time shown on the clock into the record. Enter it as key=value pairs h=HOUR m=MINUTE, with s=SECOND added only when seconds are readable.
h=9 m=37
